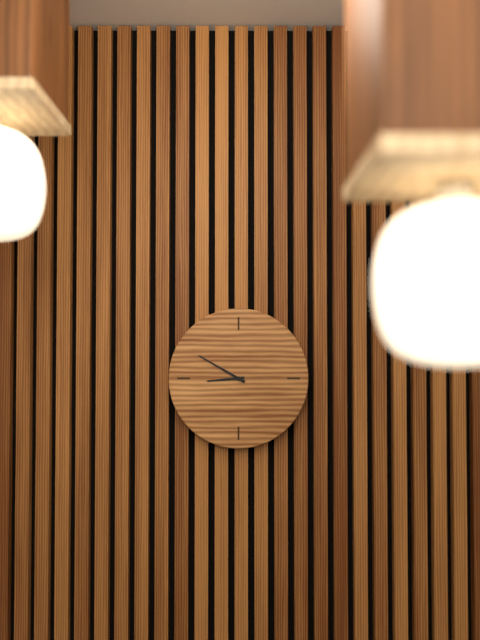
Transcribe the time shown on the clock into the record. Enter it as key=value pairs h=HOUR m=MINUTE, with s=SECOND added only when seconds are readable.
h=8 m=50
